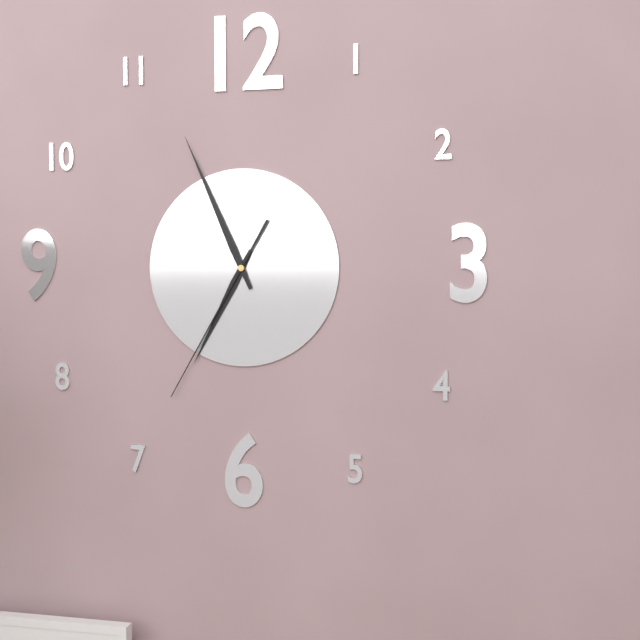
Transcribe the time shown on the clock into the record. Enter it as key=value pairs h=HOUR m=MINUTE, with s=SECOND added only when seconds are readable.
h=6 m=56 s=35
